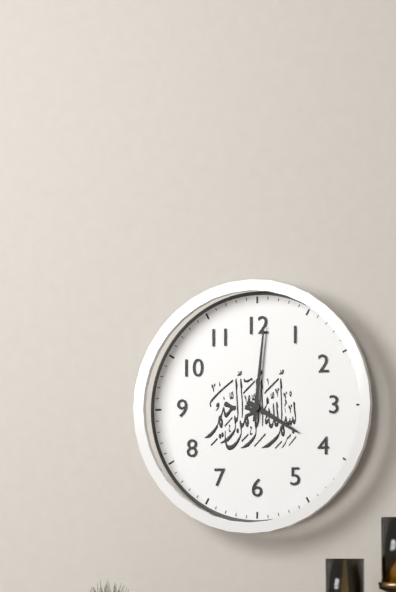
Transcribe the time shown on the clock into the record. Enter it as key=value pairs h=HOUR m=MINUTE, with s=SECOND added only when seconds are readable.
h=4 m=1
